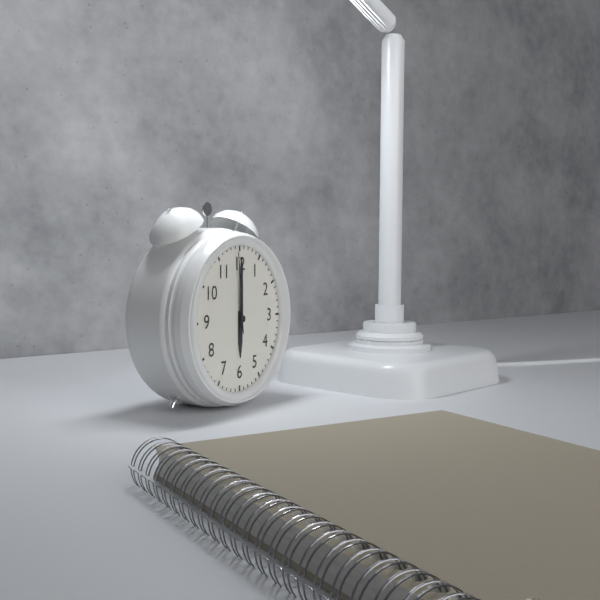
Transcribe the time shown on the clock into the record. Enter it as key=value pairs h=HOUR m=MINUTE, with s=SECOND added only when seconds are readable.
h=6 m=0 s=59
